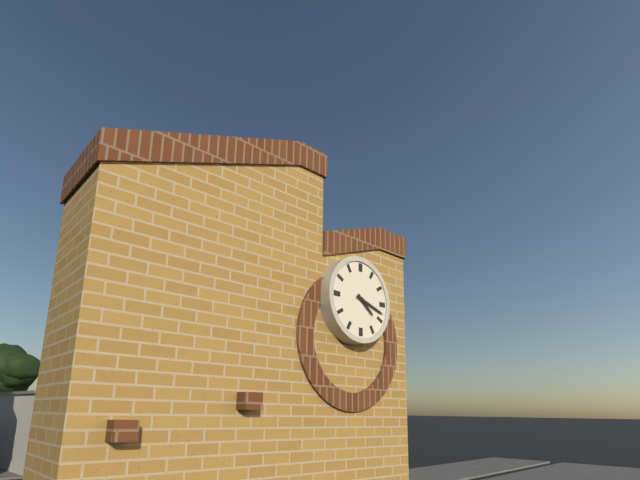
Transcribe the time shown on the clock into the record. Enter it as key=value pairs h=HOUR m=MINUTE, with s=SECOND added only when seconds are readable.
h=4 m=18
